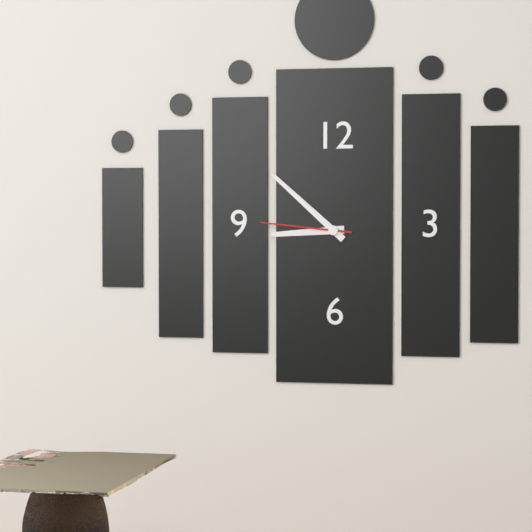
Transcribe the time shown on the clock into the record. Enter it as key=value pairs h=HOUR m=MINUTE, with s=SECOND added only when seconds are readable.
h=8 m=52 s=46
